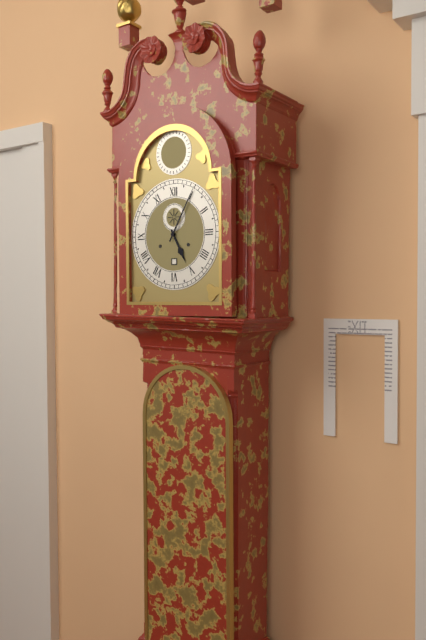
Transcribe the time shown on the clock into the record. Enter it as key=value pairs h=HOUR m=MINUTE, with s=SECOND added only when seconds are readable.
h=5 m=5
